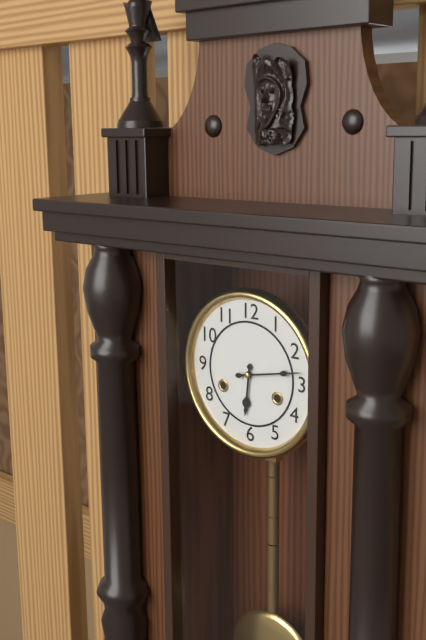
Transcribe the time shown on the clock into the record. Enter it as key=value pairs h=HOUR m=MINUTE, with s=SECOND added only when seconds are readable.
h=6 m=13
